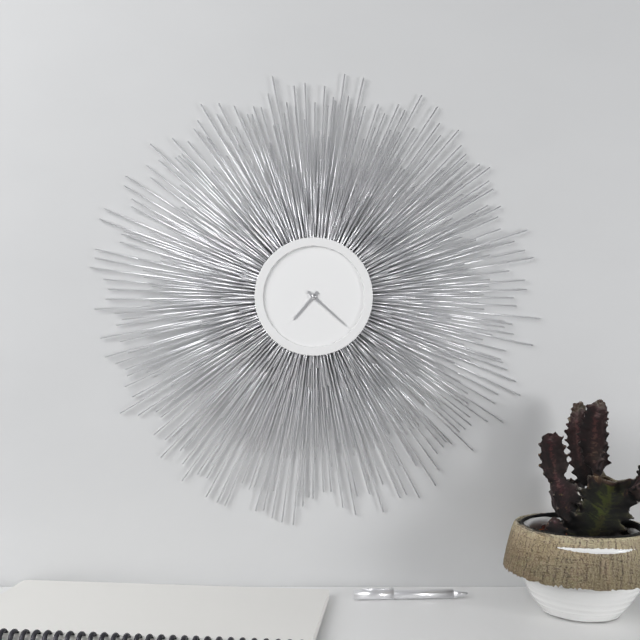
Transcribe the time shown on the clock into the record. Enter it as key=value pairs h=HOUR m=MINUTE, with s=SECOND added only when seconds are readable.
h=7 m=22
